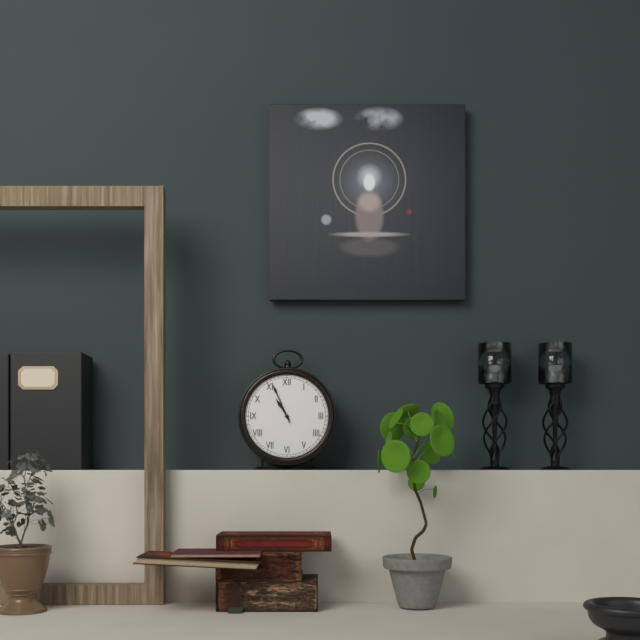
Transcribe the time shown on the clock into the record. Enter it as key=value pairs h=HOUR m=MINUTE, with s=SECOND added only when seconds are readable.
h=10 m=56
